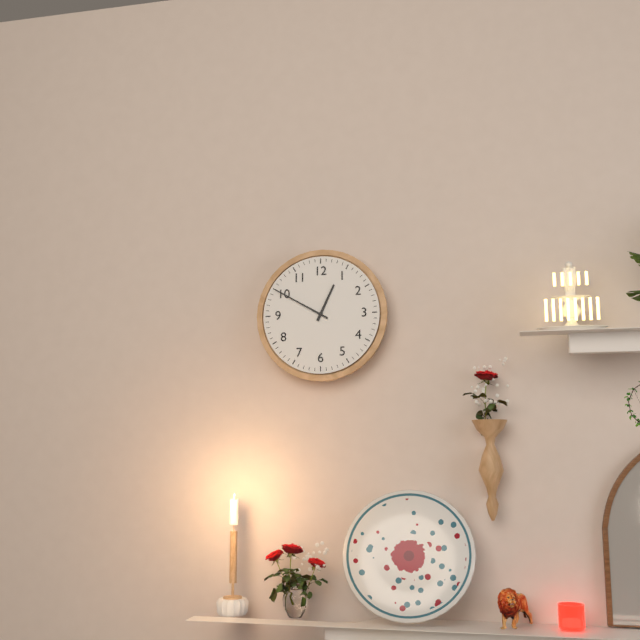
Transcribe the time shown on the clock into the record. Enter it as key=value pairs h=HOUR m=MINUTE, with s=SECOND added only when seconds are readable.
h=12 m=50
